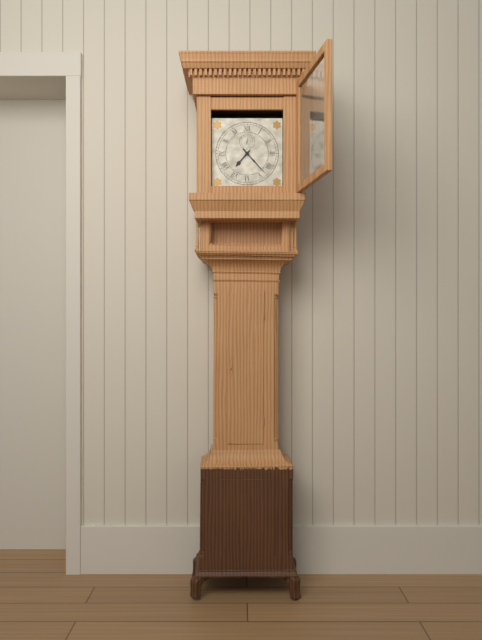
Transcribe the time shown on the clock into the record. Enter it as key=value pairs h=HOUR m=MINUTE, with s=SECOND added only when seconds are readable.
h=7 m=23
